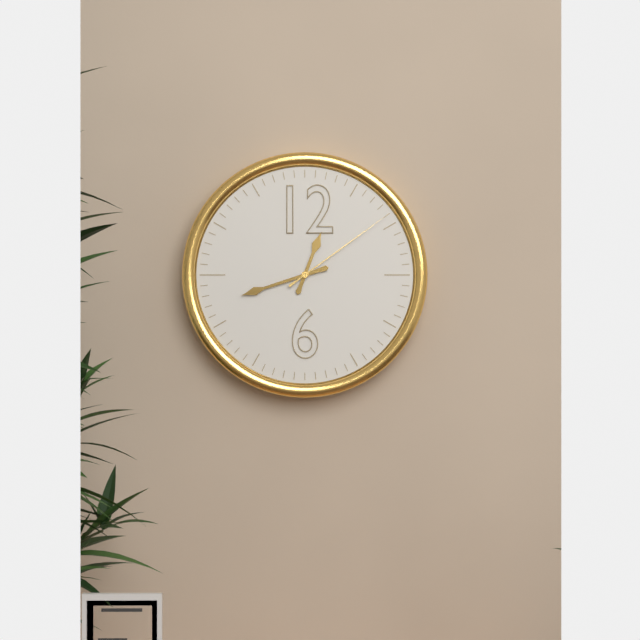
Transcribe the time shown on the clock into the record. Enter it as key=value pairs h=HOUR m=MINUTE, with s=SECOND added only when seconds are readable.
h=12 m=42 s=9
